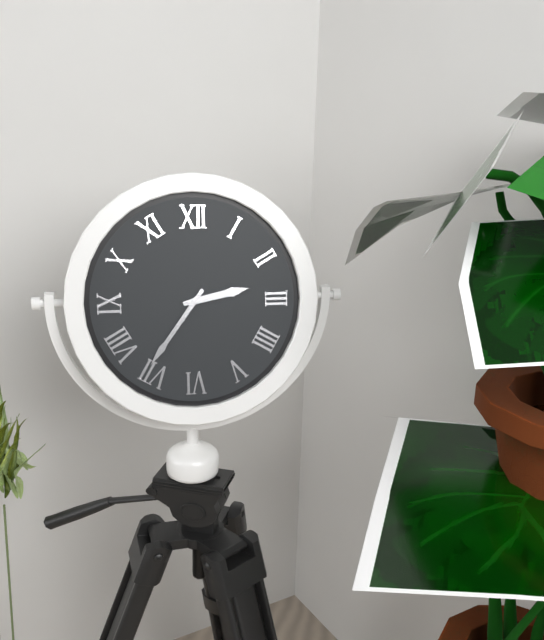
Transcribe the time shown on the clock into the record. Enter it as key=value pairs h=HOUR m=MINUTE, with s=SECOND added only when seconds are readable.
h=2 m=36
